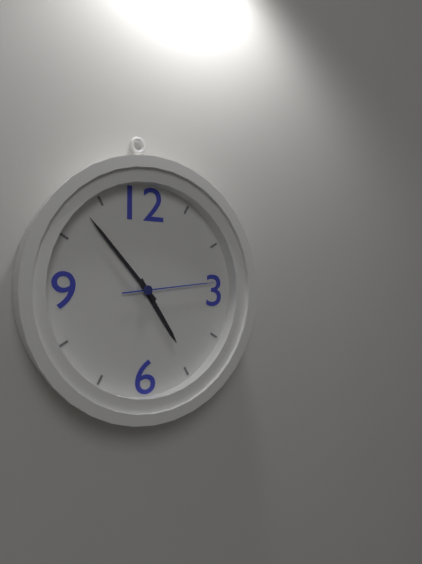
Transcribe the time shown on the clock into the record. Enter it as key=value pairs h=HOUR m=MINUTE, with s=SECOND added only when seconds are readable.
h=4 m=53 s=14
